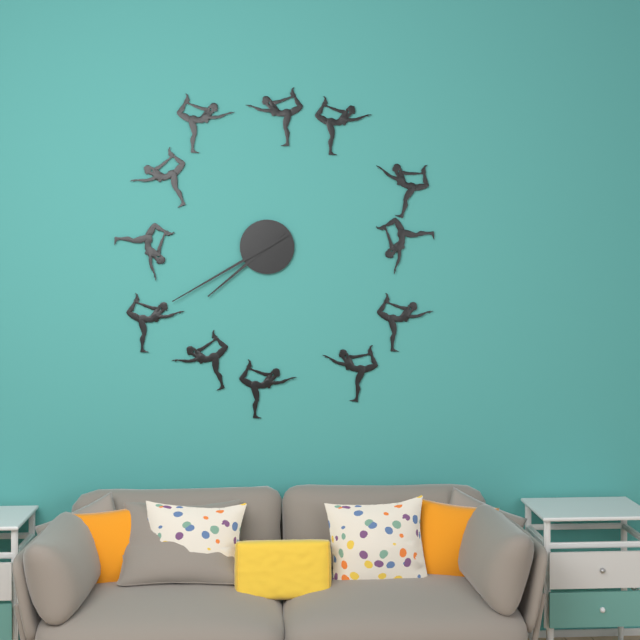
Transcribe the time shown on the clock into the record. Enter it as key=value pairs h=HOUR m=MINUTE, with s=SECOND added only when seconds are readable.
h=7 m=40
